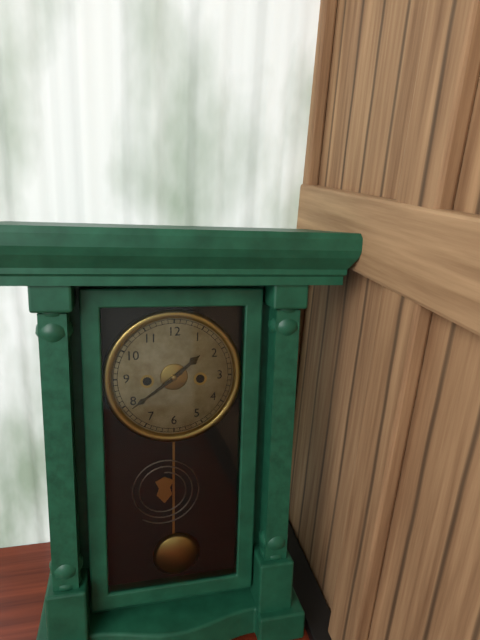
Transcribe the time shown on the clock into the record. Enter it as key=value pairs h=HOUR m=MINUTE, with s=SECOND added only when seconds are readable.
h=1 m=39
